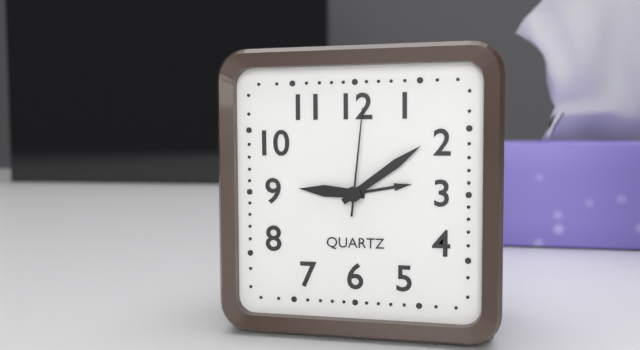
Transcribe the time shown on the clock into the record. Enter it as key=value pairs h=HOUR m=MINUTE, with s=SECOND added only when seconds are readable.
h=9 m=9 s=1
